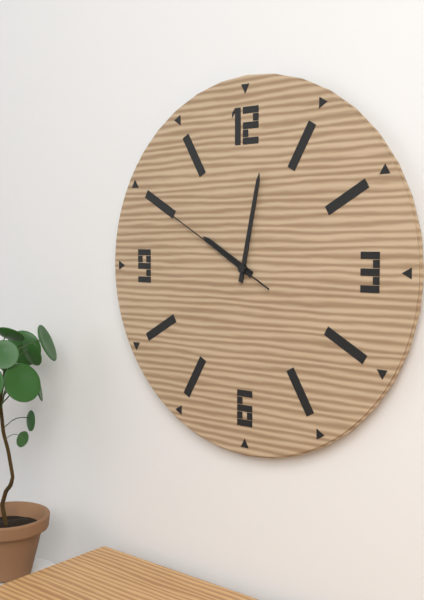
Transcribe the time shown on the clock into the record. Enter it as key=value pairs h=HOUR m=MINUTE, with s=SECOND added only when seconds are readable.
h=10 m=2 s=50
